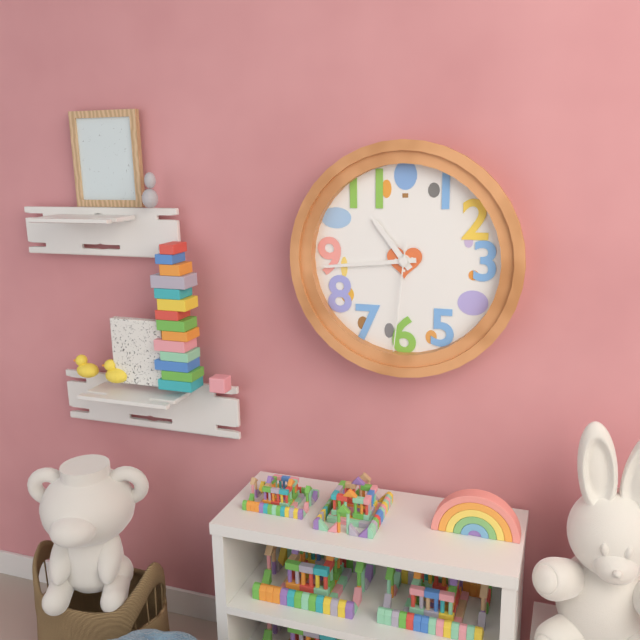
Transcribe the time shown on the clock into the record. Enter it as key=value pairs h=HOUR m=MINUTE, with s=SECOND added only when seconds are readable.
h=10 m=44 s=31
